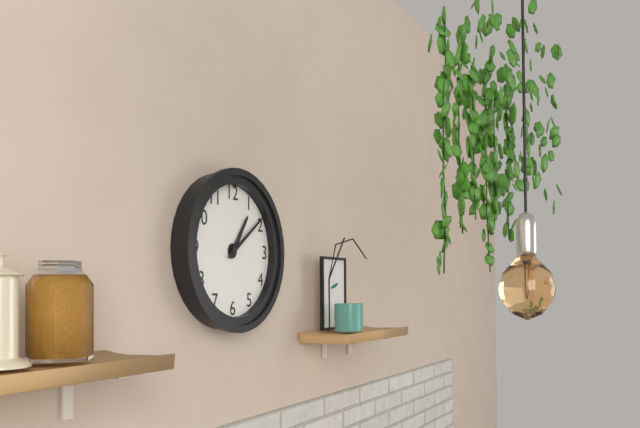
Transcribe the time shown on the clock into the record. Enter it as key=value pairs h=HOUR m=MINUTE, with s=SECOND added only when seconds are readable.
h=1 m=9
